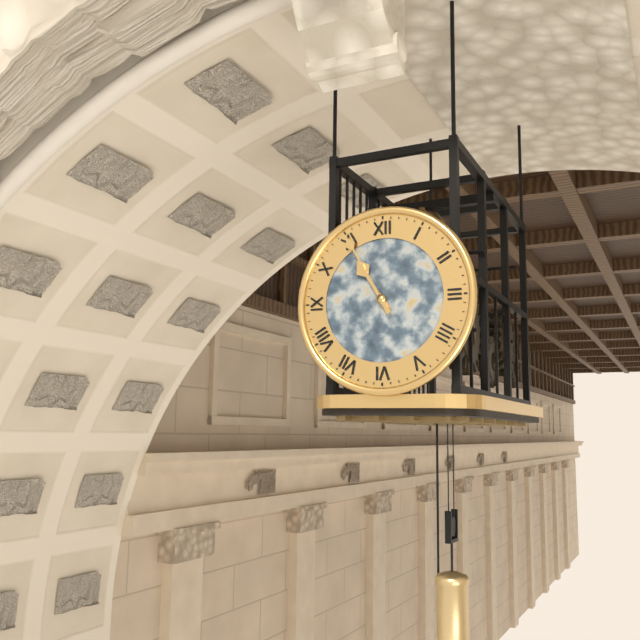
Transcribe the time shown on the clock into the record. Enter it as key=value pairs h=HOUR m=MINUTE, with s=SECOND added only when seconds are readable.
h=10 m=55
